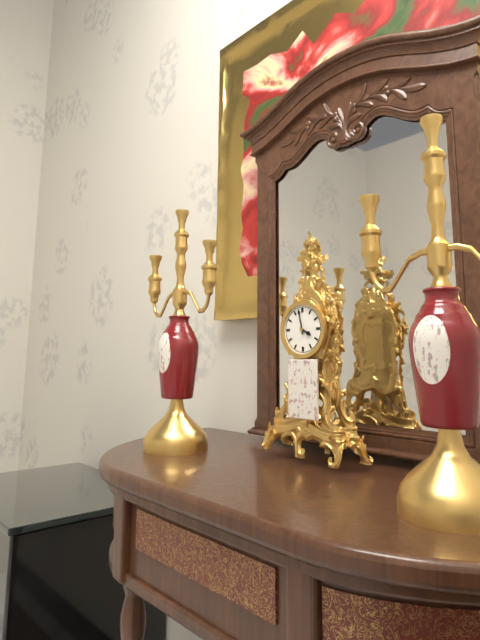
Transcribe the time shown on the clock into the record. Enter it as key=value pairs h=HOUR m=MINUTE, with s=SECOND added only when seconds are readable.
h=3 m=58
